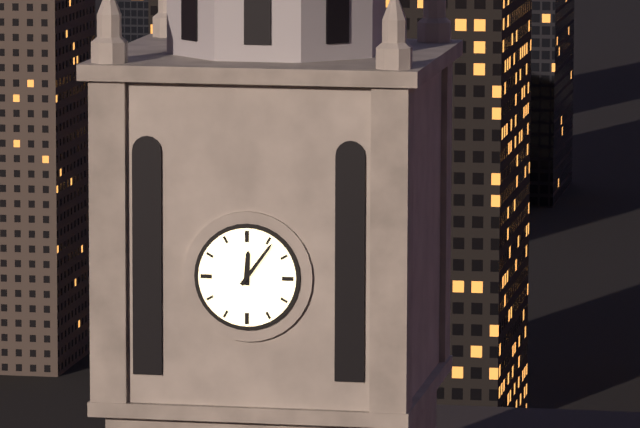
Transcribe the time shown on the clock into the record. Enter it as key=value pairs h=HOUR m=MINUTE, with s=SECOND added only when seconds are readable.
h=12 m=6
